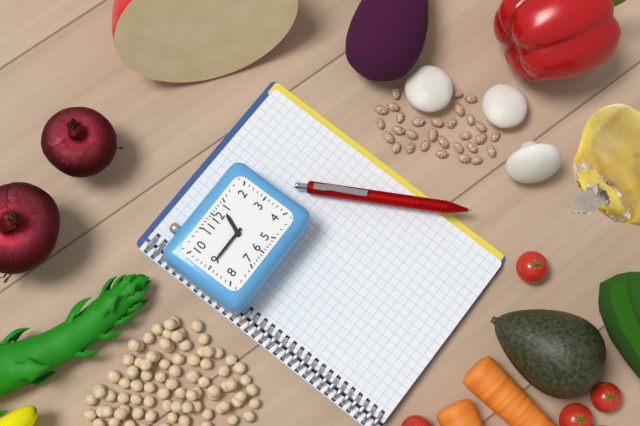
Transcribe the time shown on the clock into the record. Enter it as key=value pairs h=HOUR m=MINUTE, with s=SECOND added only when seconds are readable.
h=12 m=45
